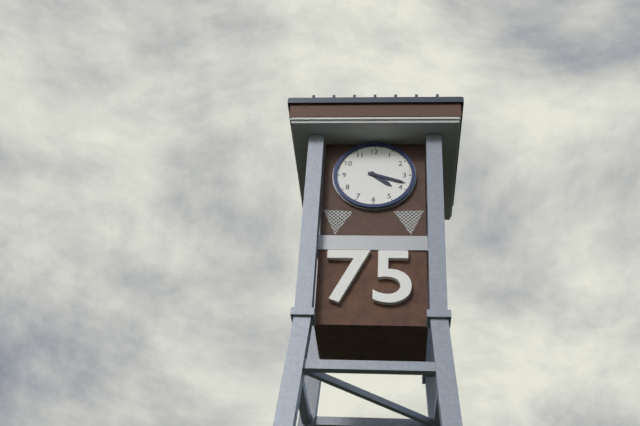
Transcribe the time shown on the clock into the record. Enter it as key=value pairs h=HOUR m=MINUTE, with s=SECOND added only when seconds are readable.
h=4 m=18
